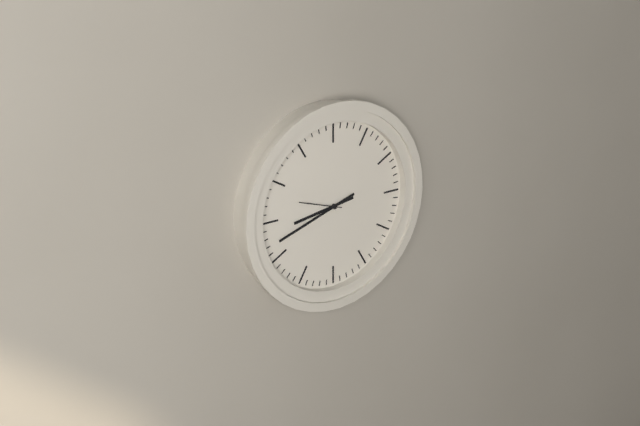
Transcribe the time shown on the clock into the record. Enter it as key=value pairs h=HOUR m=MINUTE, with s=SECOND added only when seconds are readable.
h=8 m=42
